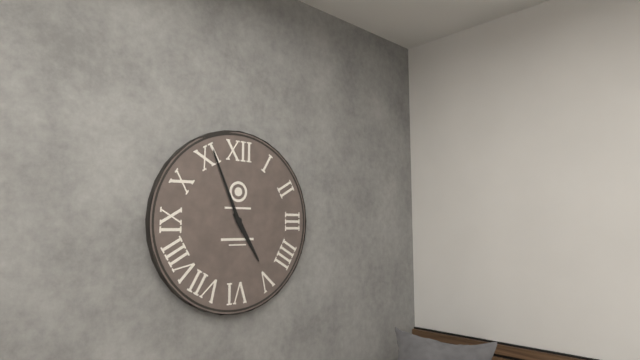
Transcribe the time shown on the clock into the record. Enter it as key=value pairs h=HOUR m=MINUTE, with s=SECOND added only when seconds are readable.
h=4 m=56
